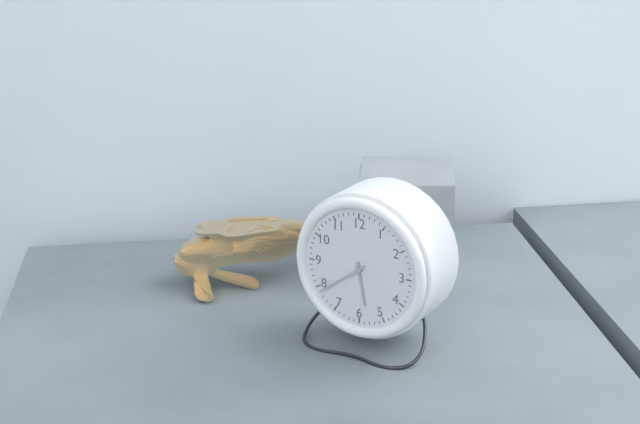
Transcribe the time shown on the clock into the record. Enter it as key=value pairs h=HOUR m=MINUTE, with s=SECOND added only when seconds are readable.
h=5 m=39
